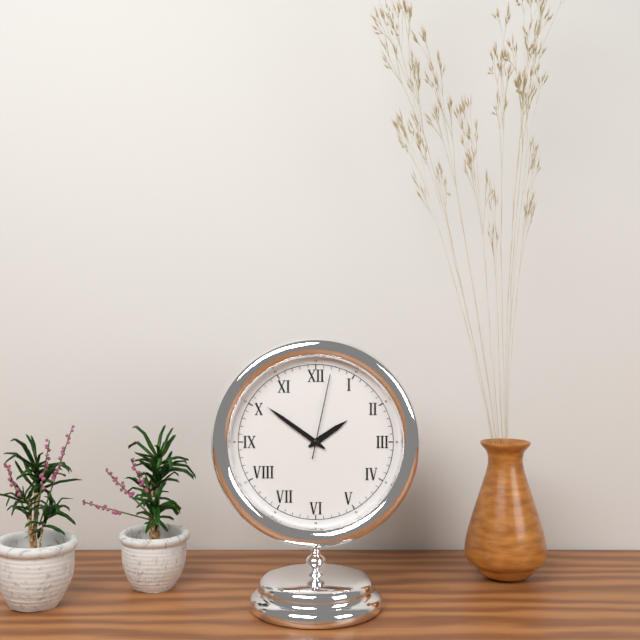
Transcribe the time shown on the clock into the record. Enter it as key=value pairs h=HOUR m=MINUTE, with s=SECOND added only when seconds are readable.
h=1 m=51 s=2
